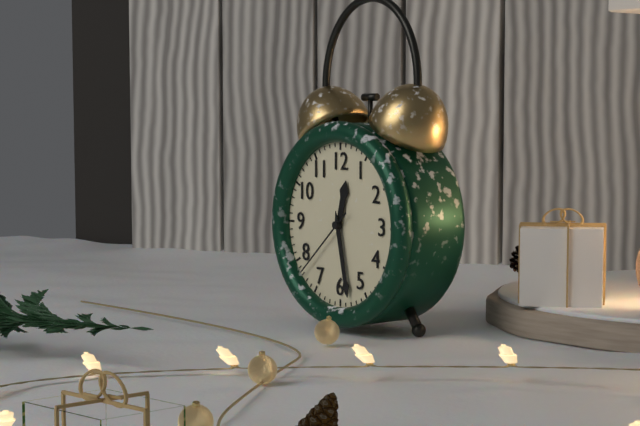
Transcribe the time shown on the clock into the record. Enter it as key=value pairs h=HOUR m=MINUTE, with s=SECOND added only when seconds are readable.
h=12 m=28 s=38
